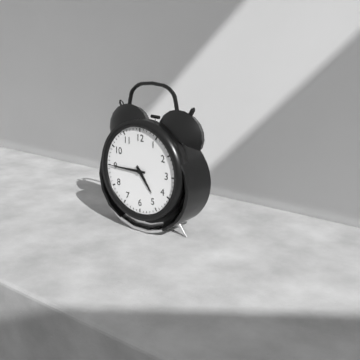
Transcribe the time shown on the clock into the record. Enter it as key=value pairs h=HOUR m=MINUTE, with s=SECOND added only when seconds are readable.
h=4 m=45
